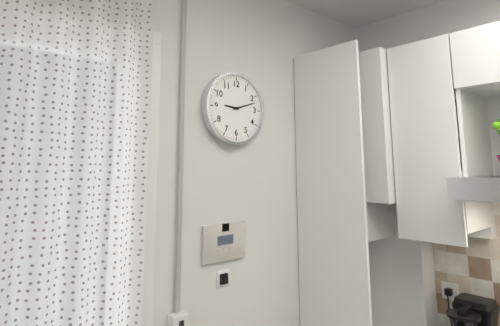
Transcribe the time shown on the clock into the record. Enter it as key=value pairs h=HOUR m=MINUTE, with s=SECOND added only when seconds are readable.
h=9 m=12
